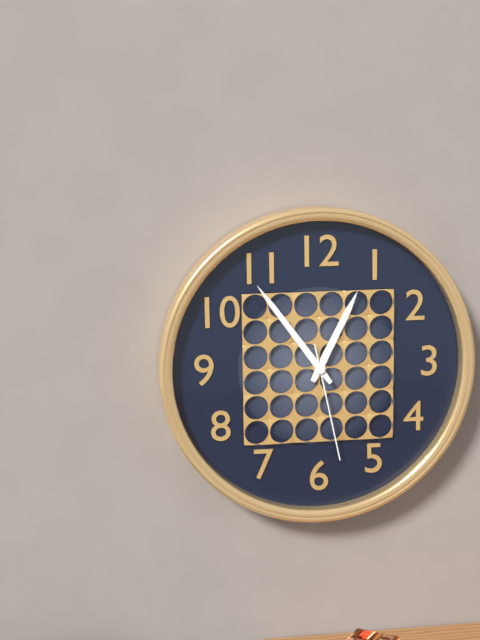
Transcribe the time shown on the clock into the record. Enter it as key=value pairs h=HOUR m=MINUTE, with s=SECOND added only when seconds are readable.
h=12 m=54 s=28
